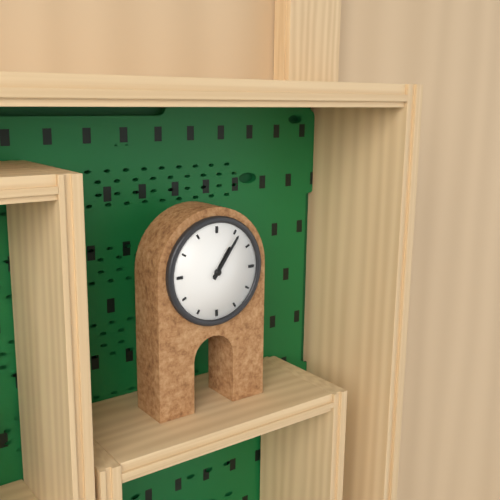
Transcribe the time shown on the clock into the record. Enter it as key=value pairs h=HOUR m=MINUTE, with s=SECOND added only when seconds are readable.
h=1 m=6
